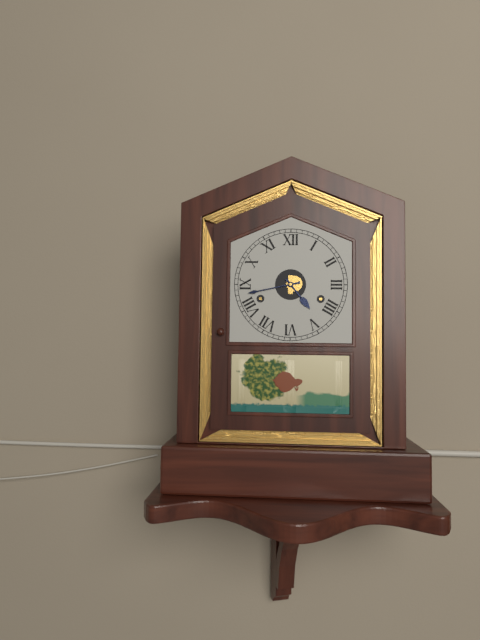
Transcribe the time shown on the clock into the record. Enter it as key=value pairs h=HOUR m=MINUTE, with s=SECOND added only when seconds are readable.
h=4 m=43
